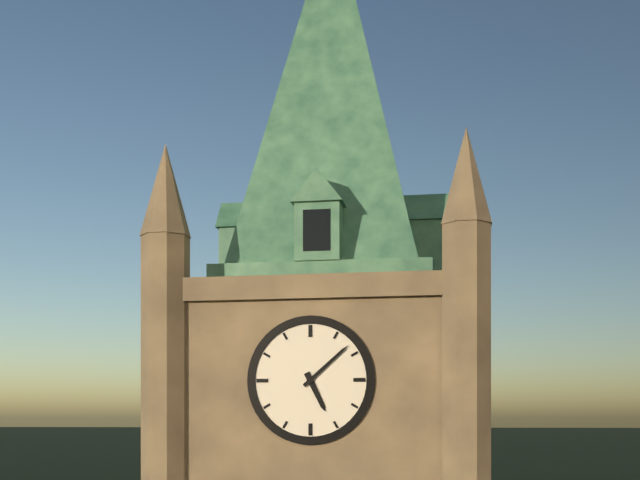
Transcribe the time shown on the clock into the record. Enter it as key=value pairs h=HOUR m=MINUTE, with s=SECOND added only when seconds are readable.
h=5 m=8
